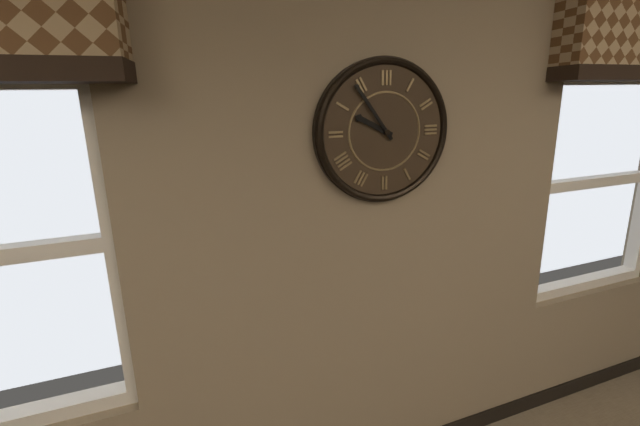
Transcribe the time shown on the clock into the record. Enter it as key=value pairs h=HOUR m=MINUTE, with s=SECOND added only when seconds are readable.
h=9 m=54
